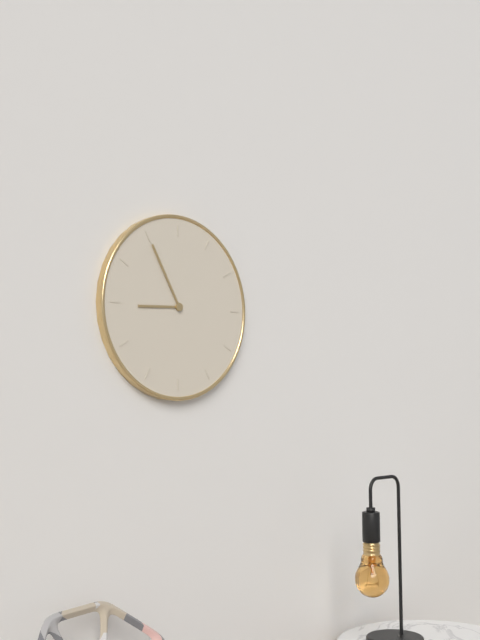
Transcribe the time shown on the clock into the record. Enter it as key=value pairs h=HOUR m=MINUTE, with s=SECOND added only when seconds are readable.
h=8 m=55
